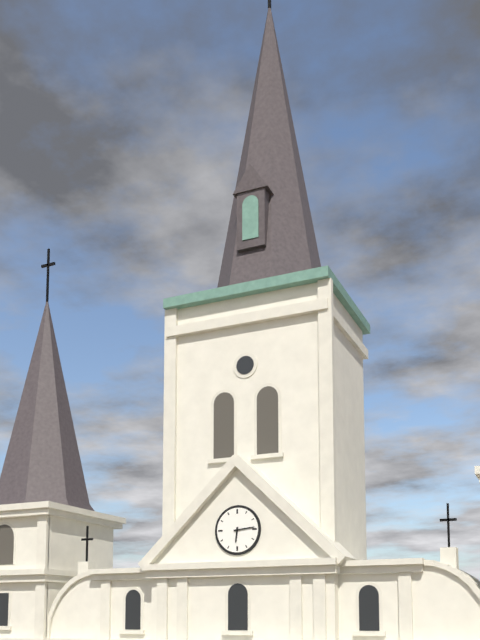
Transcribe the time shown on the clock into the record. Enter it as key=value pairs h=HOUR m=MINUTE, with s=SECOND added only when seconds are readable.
h=6 m=14
